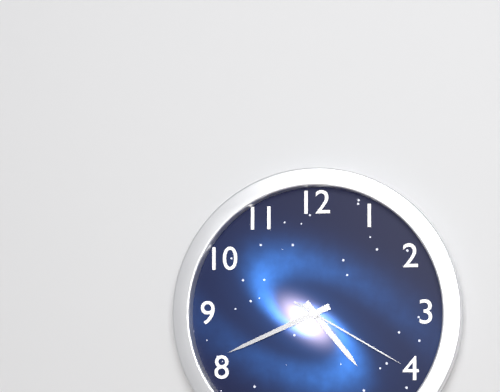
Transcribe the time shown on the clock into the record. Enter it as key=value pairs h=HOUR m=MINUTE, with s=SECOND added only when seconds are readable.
h=4 m=41 s=20
